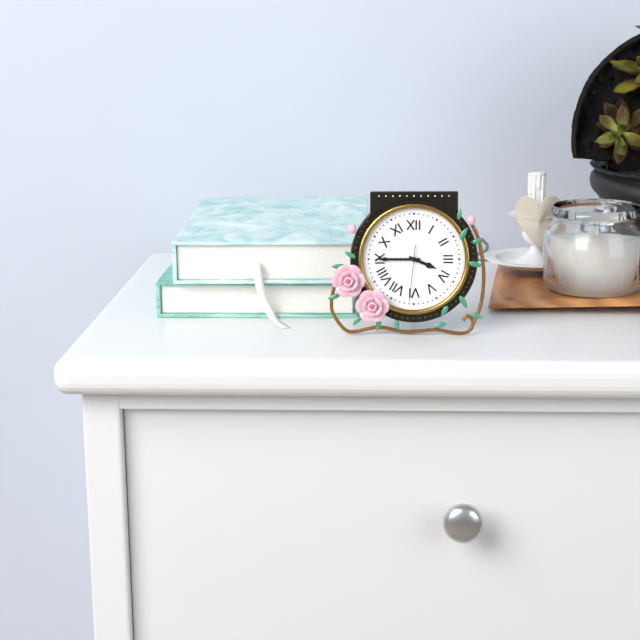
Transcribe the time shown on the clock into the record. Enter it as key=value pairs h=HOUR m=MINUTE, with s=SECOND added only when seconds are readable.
h=3 m=45 s=31
